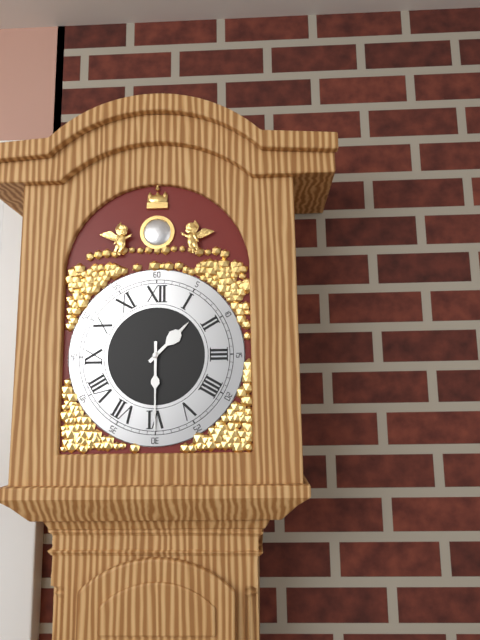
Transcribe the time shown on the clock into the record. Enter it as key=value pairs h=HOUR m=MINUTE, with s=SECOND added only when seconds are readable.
h=1 m=30
